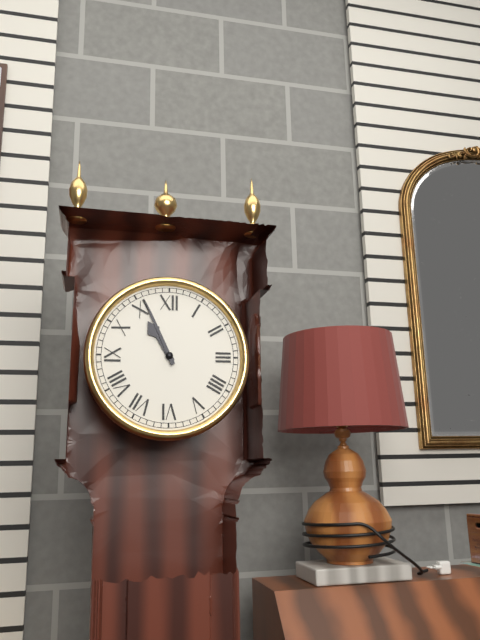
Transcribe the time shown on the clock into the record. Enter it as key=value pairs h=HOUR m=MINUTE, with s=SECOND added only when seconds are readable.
h=10 m=56
